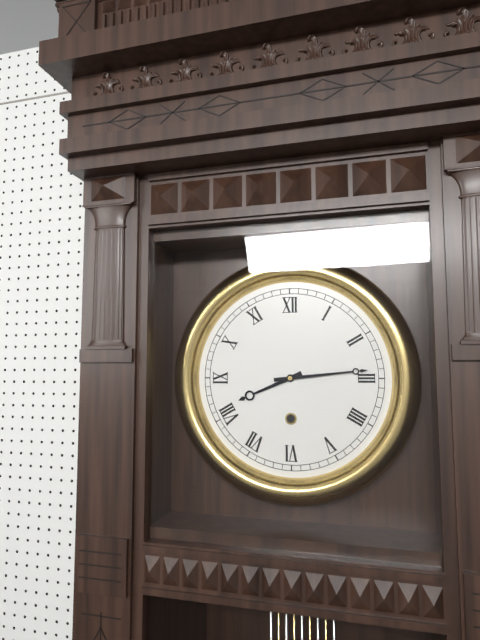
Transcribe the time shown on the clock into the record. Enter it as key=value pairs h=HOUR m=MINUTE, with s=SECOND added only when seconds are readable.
h=8 m=14
